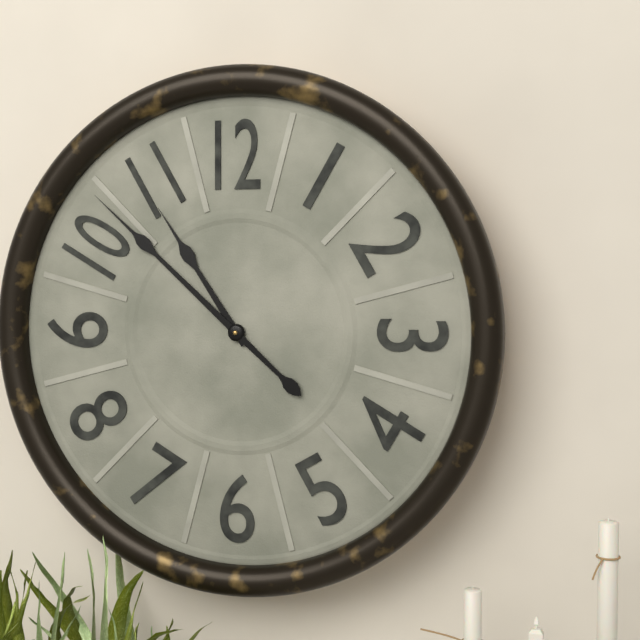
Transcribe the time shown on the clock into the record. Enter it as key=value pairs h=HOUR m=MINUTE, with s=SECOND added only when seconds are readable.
h=10 m=52
